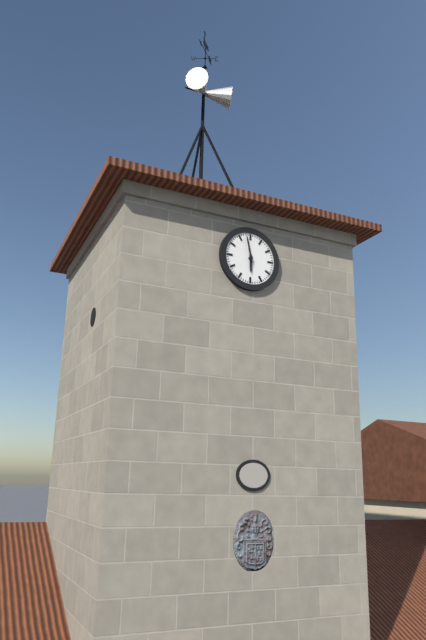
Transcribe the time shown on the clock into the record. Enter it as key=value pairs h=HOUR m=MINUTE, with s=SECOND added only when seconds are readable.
h=5 m=58
